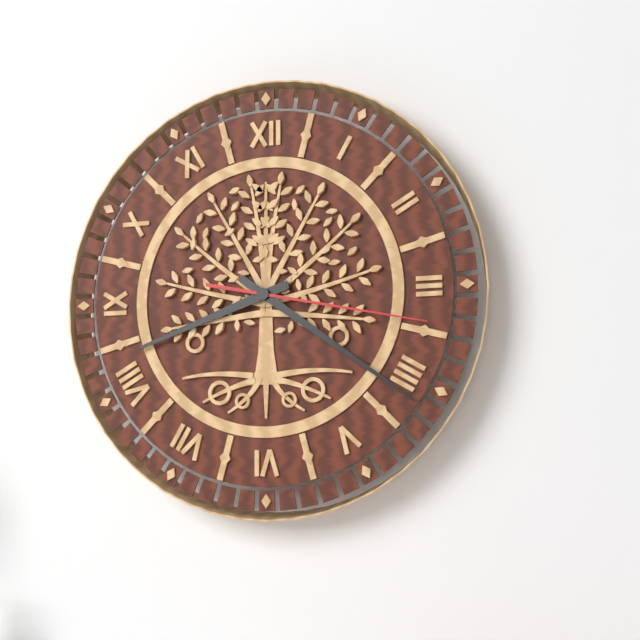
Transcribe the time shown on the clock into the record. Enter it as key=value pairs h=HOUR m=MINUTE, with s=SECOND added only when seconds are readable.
h=8 m=21 s=17
